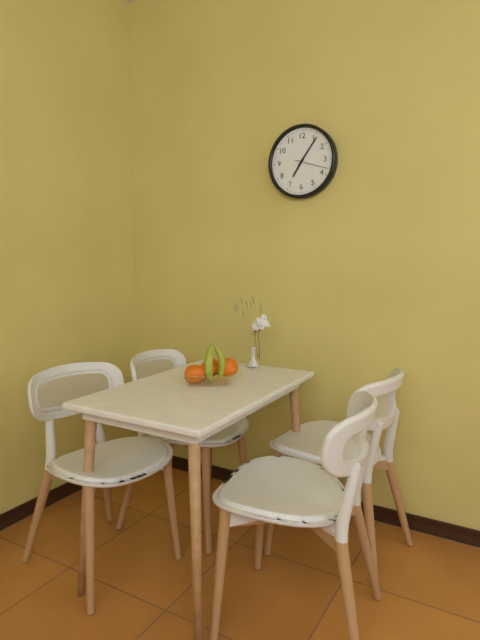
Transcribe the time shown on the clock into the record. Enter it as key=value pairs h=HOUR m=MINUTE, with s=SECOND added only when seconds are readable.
h=7 m=6
